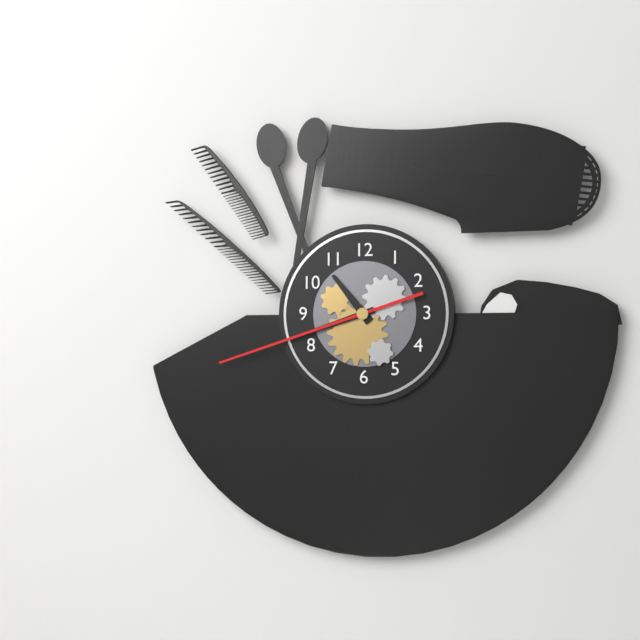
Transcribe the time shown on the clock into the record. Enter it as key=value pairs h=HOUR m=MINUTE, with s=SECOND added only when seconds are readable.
h=10 m=42 s=42
